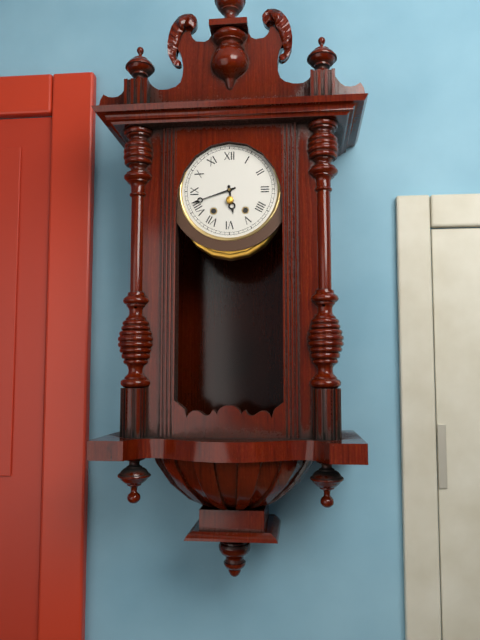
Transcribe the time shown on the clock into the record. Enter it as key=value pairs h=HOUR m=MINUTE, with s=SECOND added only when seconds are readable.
h=5 m=42
